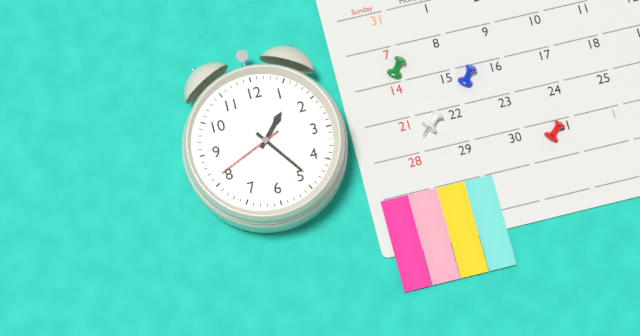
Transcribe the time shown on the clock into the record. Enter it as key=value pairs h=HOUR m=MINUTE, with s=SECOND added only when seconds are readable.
h=1 m=24 s=41
